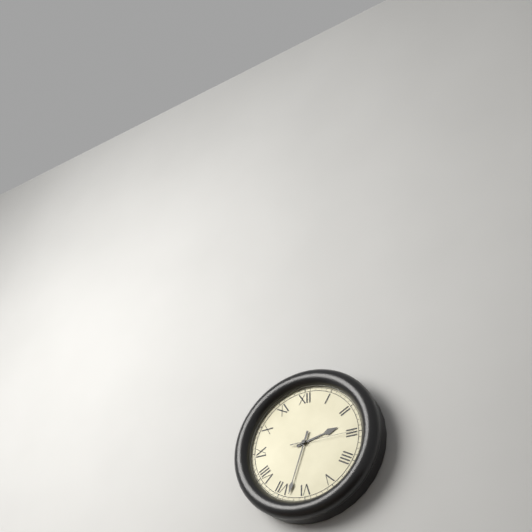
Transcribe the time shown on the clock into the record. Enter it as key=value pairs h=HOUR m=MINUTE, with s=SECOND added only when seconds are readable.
h=2 m=33 s=15
